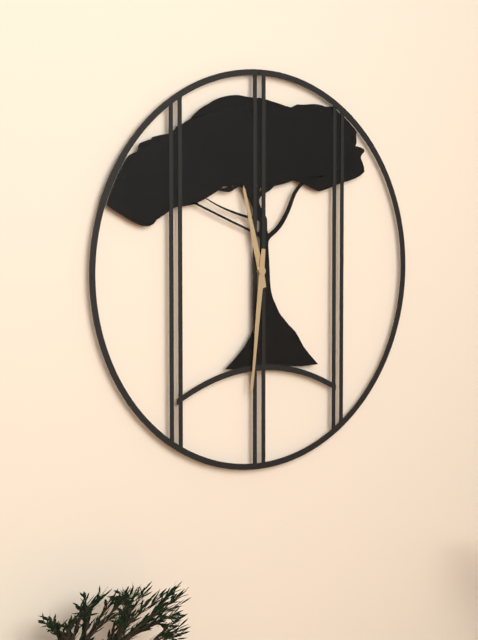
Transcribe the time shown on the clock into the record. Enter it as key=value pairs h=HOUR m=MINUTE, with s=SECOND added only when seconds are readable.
h=11 m=31
